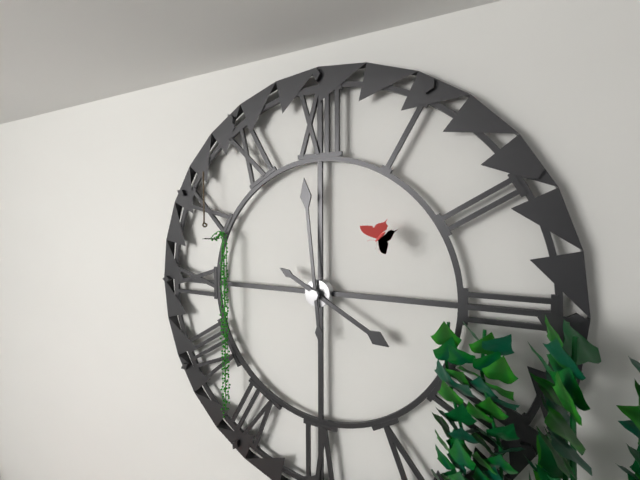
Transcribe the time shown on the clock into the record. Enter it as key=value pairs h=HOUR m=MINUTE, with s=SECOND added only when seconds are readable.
h=3 m=59
